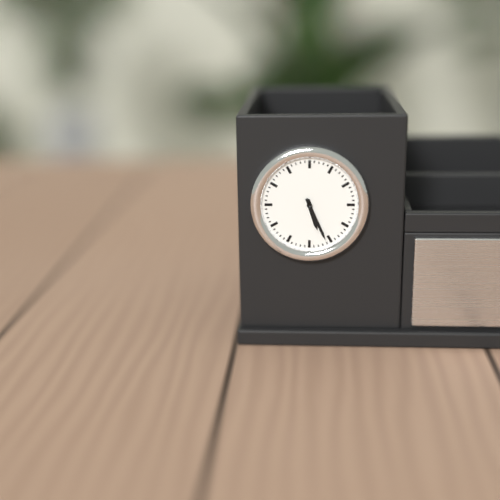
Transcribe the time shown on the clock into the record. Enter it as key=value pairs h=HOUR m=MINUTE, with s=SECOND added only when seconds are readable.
h=5 m=26
